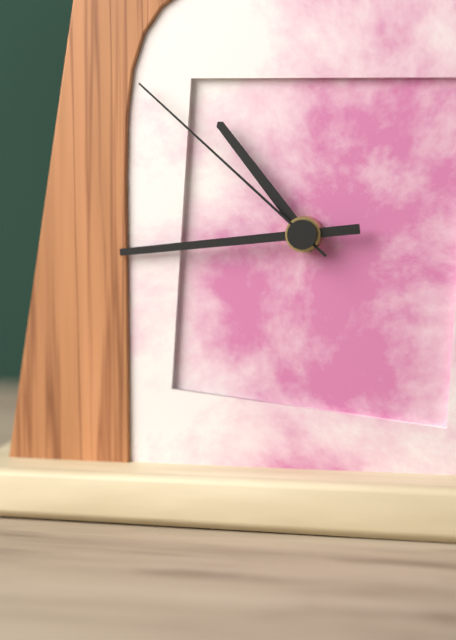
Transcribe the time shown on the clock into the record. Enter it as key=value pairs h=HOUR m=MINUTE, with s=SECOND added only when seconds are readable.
h=10 m=44 s=52
